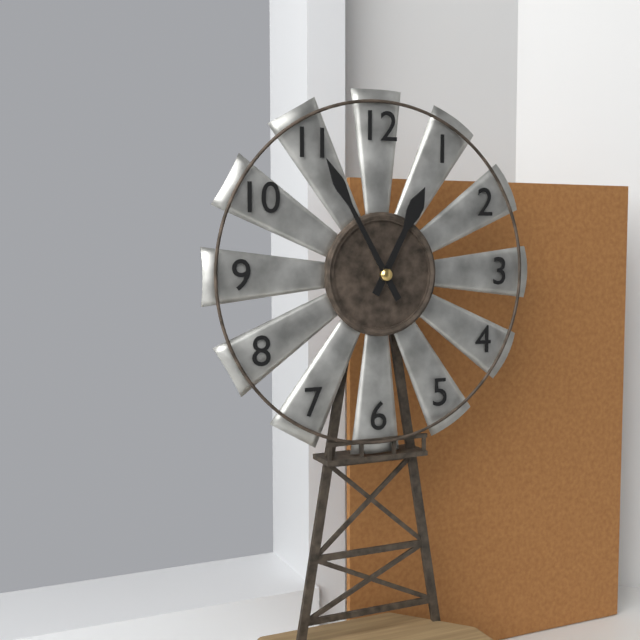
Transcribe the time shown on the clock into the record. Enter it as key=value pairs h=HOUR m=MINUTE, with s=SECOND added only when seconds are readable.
h=12 m=55
